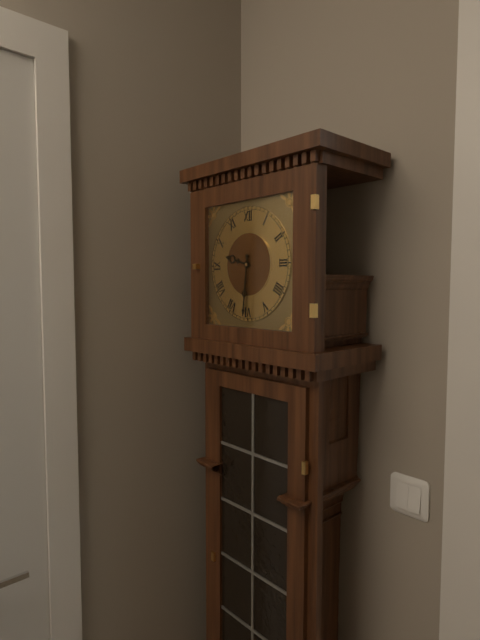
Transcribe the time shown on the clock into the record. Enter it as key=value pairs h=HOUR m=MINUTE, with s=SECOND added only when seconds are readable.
h=9 m=31
